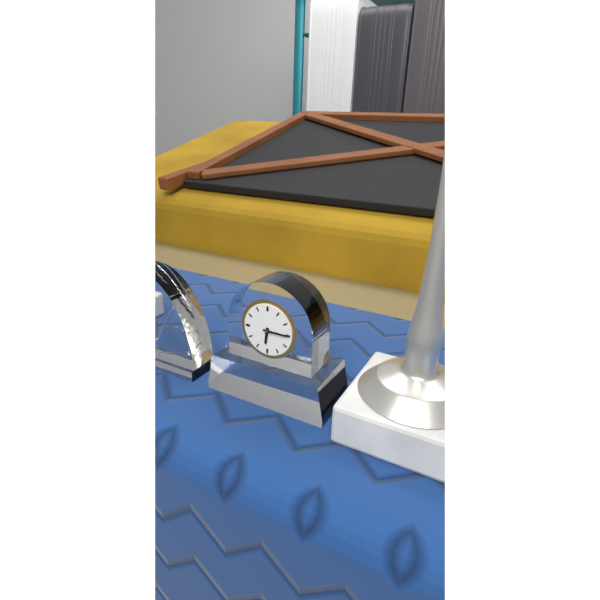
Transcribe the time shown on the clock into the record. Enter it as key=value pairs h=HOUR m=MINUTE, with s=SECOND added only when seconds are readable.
h=6 m=15
